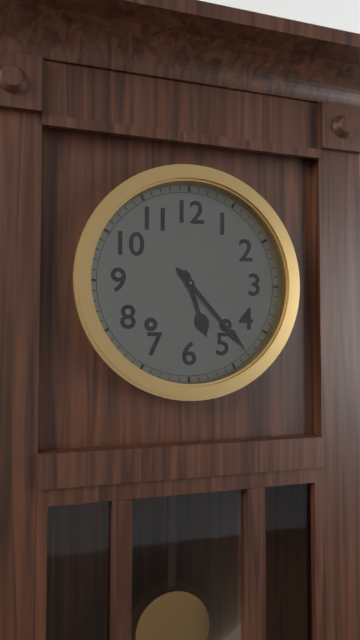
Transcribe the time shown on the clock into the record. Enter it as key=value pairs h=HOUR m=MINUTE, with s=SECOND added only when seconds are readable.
h=5 m=23
